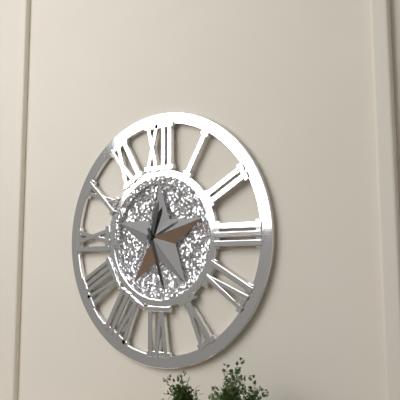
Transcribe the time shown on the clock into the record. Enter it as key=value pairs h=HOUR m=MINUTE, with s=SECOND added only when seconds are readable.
h=12 m=27
